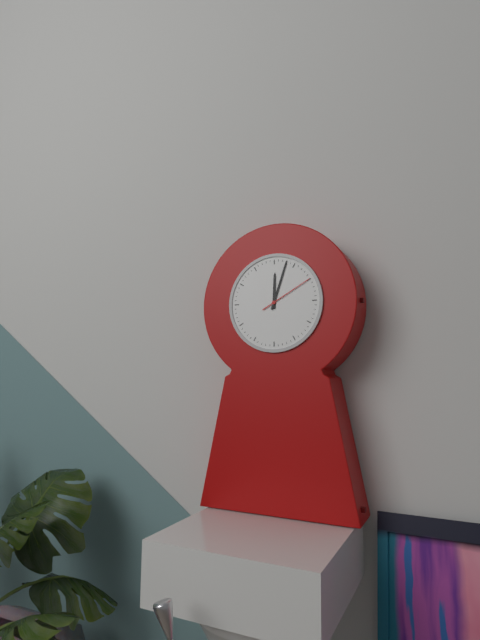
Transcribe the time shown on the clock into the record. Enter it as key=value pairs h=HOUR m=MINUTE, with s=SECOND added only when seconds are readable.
h=12 m=3 s=10
